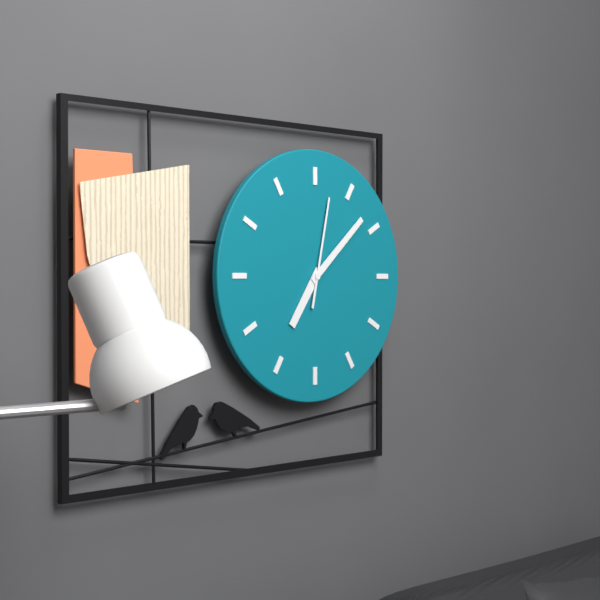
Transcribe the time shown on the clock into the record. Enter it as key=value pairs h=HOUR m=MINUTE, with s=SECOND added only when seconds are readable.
h=7 m=8 s=2
